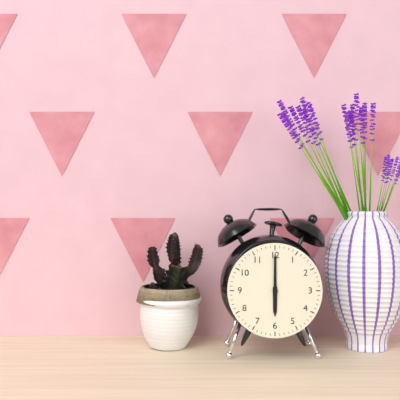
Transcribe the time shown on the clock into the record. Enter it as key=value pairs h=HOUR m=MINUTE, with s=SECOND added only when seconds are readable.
h=6 m=0
